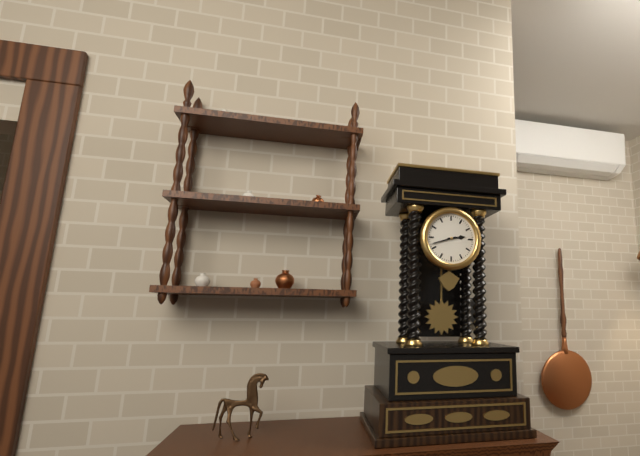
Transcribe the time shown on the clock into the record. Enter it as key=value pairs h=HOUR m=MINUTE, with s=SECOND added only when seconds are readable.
h=2 m=42
